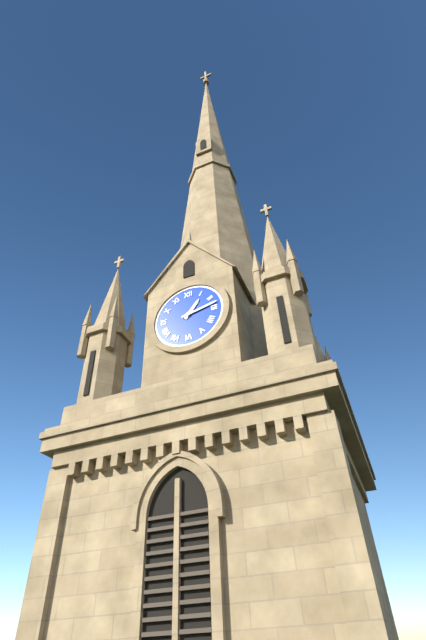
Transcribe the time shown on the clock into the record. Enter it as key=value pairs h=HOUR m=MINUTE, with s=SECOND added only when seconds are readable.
h=1 m=13
